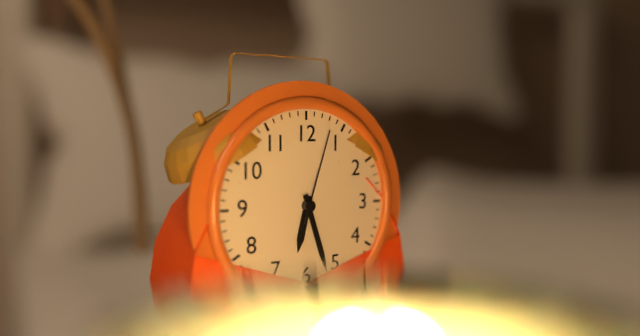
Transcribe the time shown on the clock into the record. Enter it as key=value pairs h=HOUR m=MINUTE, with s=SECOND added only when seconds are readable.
h=6 m=27 s=3
